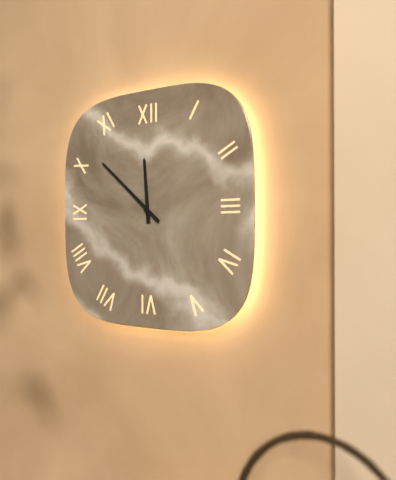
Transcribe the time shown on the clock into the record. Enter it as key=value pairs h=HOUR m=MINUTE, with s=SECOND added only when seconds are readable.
h=11 m=52
